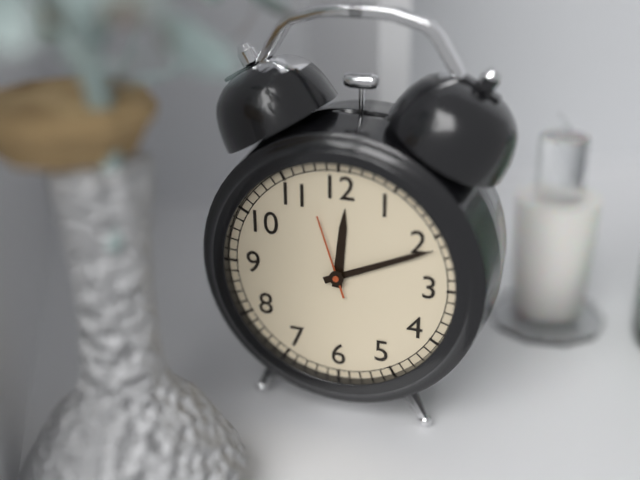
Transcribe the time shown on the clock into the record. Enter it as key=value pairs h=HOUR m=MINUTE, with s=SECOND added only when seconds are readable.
h=12 m=11 s=57
